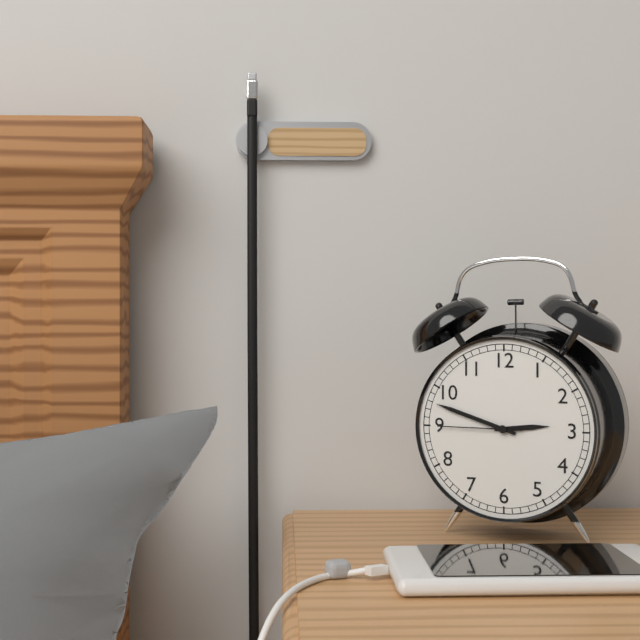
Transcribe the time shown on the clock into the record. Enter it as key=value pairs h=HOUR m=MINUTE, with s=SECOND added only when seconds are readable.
h=2 m=48 s=45
